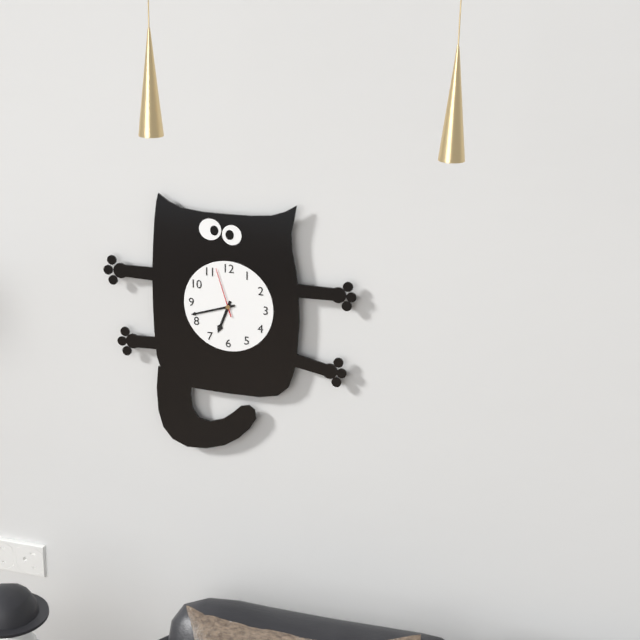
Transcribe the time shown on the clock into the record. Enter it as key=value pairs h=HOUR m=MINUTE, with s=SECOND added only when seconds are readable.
h=6 m=42 s=57
